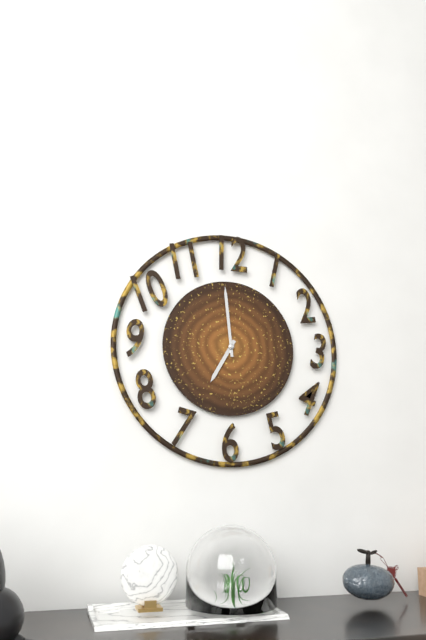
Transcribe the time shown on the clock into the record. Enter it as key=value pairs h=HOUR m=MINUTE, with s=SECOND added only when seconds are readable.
h=6 m=59
